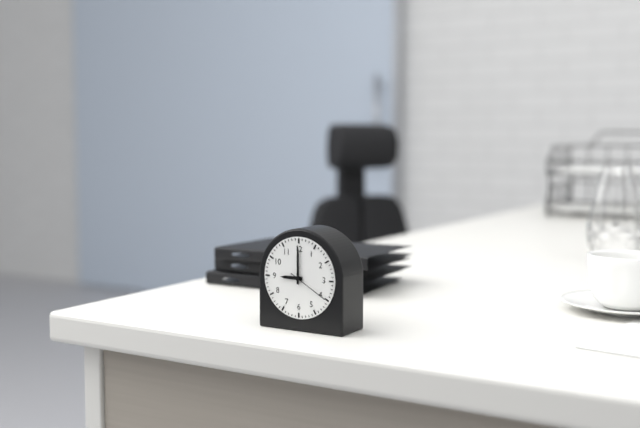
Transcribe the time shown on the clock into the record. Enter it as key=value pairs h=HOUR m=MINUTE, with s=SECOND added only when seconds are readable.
h=9 m=0
